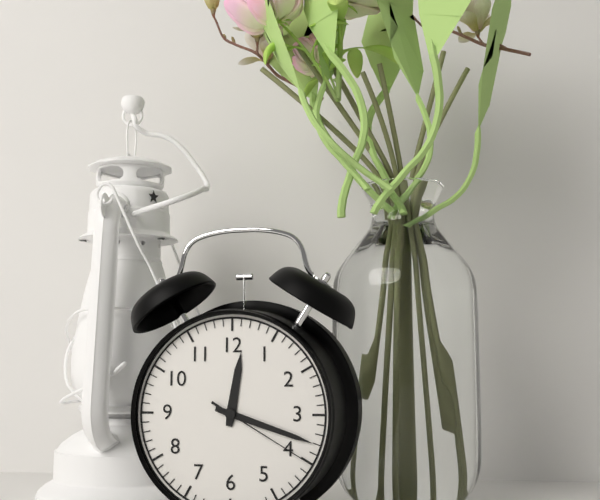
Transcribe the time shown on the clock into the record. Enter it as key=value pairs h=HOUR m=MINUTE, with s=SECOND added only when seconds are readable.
h=12 m=18 s=20
